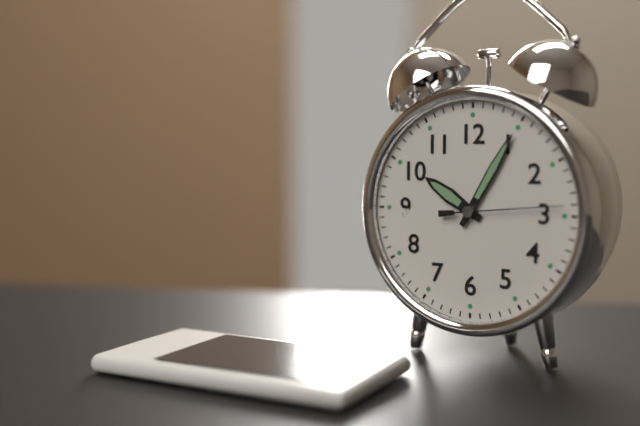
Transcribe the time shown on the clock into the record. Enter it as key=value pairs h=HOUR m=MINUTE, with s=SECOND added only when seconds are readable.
h=10 m=5 s=14
